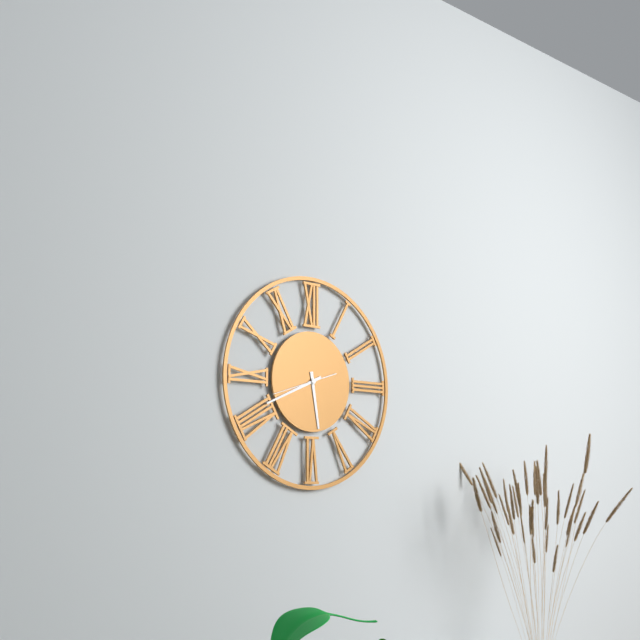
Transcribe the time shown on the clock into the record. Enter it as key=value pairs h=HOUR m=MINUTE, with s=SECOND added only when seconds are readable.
h=5 m=41 s=42
